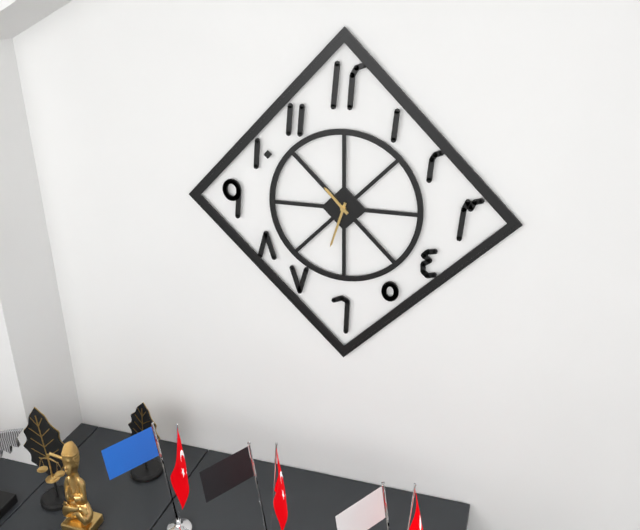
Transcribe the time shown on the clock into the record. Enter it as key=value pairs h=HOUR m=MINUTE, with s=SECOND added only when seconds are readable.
h=10 m=33
